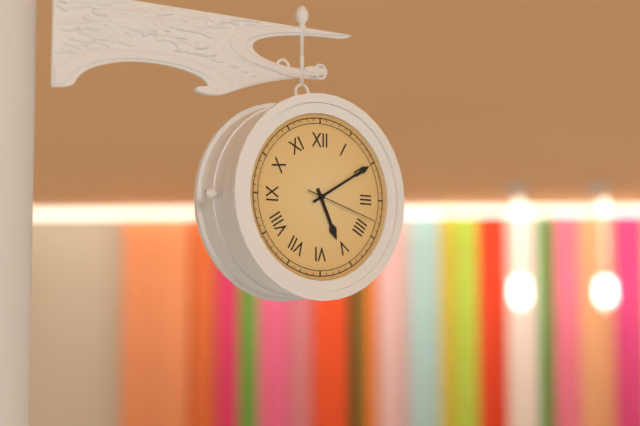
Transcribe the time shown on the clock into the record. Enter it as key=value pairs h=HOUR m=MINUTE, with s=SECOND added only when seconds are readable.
h=5 m=10 s=18
